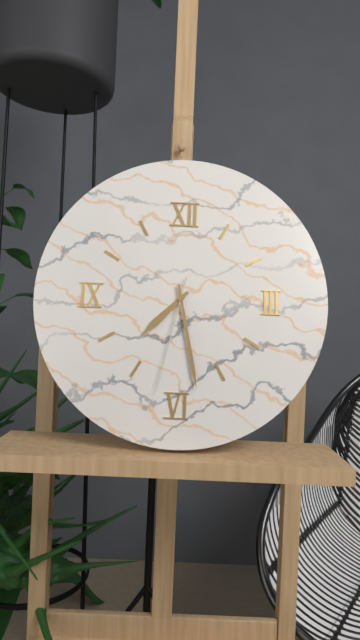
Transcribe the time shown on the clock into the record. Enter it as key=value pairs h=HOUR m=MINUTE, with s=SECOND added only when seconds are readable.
h=7 m=28 s=32
